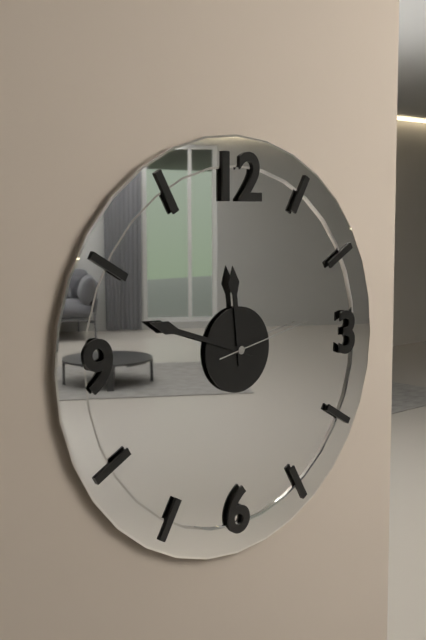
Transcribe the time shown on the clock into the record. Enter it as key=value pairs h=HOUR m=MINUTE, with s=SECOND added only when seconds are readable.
h=11 m=48 s=13
